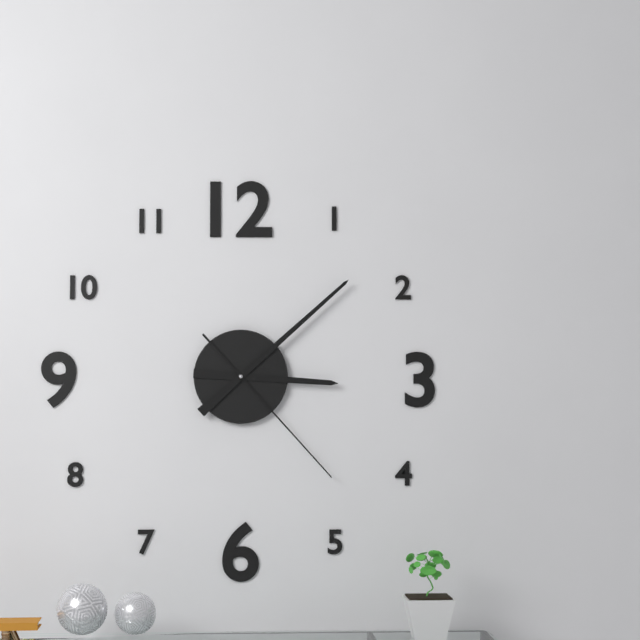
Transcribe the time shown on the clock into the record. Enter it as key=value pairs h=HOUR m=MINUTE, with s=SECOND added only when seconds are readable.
h=3 m=8 s=23
